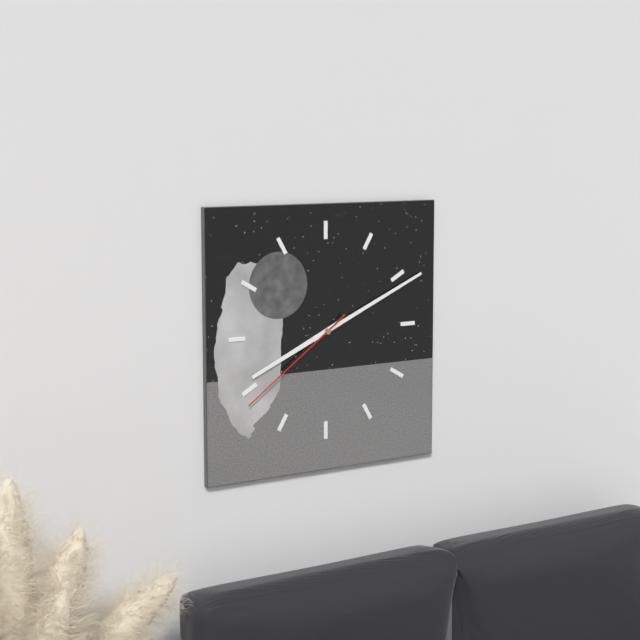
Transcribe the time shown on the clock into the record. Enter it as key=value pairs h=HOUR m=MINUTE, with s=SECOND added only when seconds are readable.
h=8 m=11 s=39
